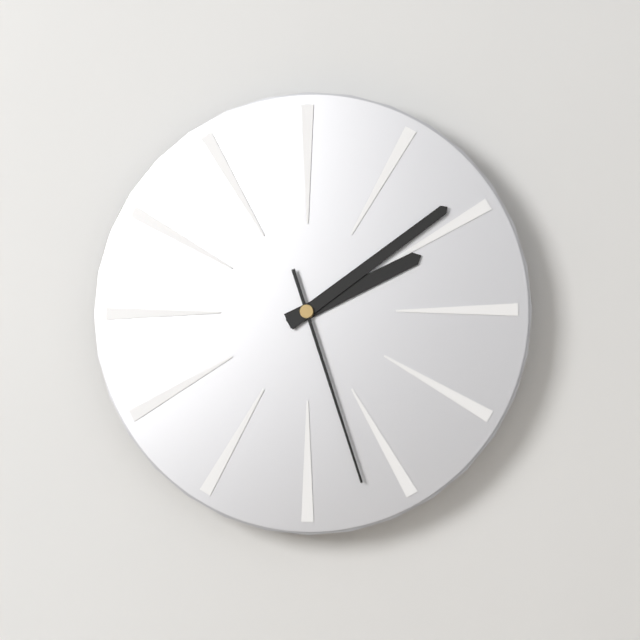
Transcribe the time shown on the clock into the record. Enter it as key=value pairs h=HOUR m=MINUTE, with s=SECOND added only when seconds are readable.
h=2 m=9 s=27
